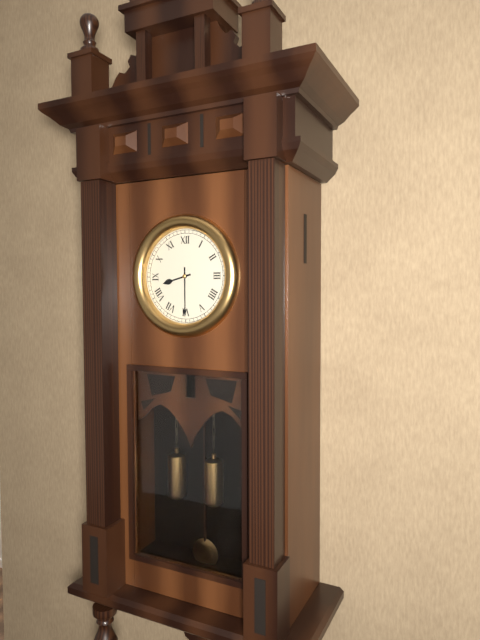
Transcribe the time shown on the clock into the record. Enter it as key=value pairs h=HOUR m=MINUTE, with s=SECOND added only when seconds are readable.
h=8 m=30
